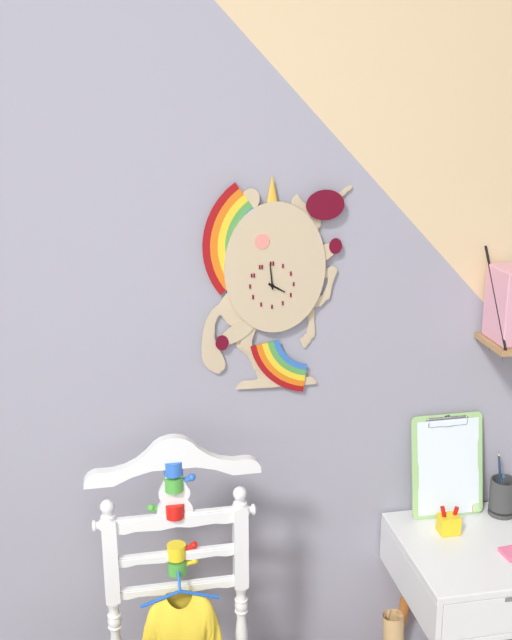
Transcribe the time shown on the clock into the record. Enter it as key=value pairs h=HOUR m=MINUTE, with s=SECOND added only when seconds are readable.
h=3 m=59
